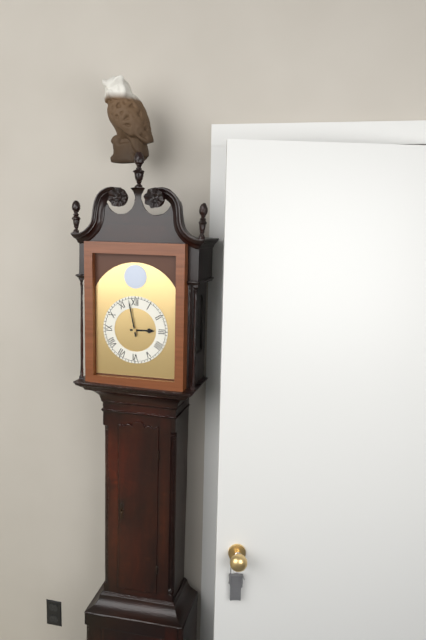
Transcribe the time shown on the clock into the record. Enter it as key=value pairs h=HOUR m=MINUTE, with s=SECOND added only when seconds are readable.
h=2 m=58
